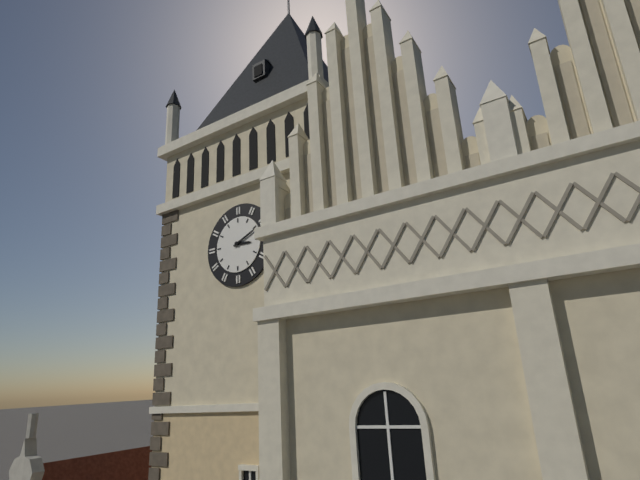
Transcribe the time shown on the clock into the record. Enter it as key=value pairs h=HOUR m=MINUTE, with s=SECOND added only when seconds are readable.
h=3 m=11
